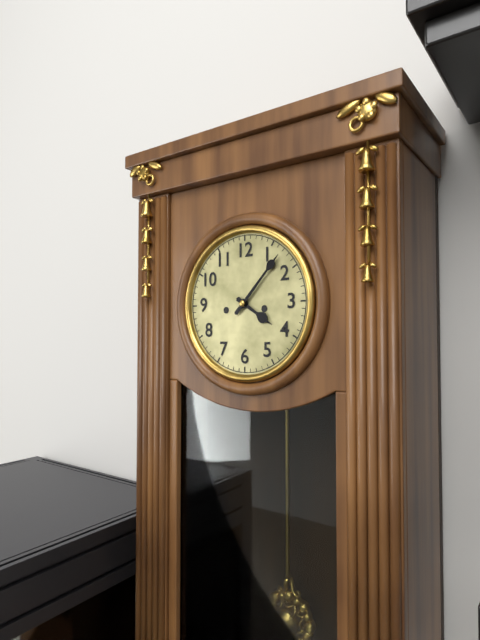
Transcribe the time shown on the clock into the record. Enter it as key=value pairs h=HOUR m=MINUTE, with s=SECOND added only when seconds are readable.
h=4 m=7
